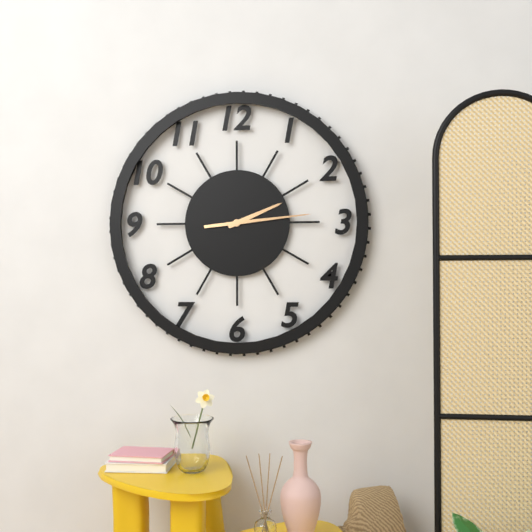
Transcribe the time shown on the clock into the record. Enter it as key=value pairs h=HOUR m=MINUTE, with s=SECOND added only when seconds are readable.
h=2 m=14
